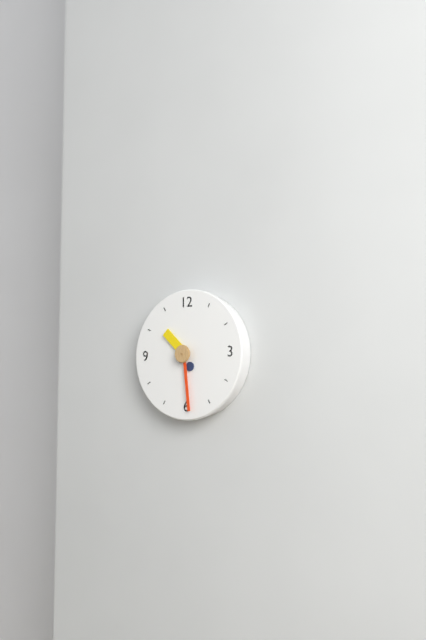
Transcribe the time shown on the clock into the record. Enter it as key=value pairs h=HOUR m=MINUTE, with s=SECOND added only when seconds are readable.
h=10 m=29
